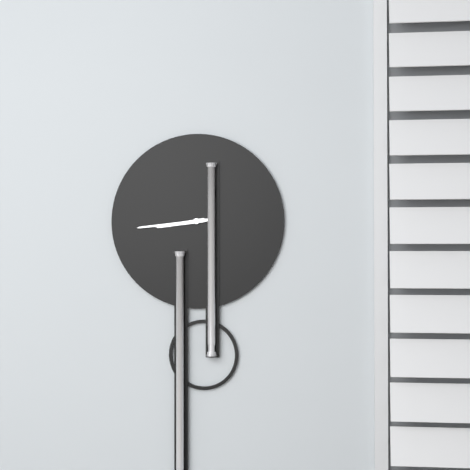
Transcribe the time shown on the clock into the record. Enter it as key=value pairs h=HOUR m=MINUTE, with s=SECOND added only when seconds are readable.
h=8 m=44
